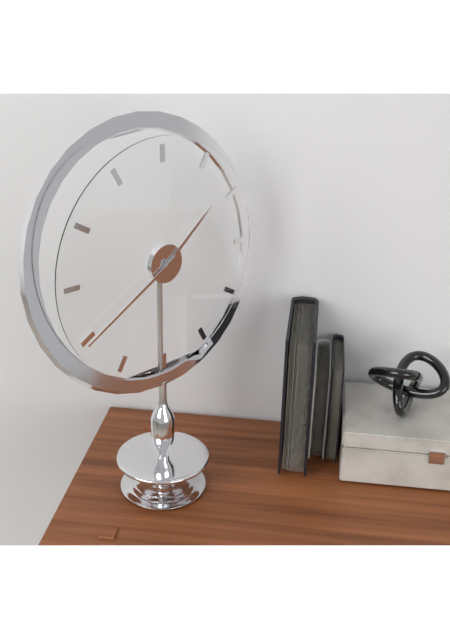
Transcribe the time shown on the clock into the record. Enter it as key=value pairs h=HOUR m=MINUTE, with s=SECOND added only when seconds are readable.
h=1 m=40
